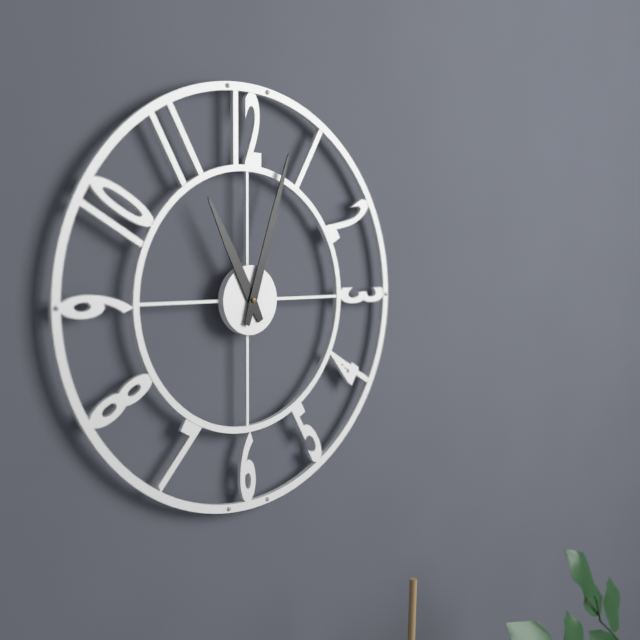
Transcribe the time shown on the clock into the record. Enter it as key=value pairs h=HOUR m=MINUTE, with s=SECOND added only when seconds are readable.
h=11 m=3
